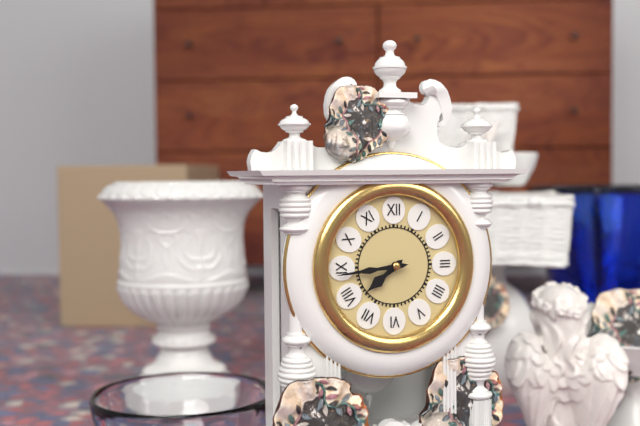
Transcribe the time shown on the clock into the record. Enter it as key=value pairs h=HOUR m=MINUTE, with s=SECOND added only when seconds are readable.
h=7 m=44
